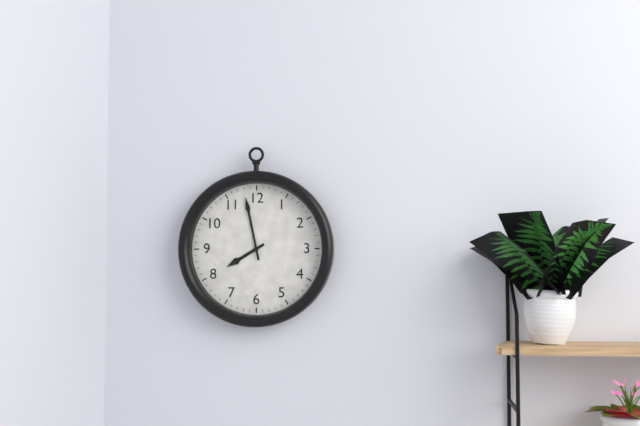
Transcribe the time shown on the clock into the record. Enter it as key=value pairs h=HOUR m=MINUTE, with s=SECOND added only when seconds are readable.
h=7 m=58
